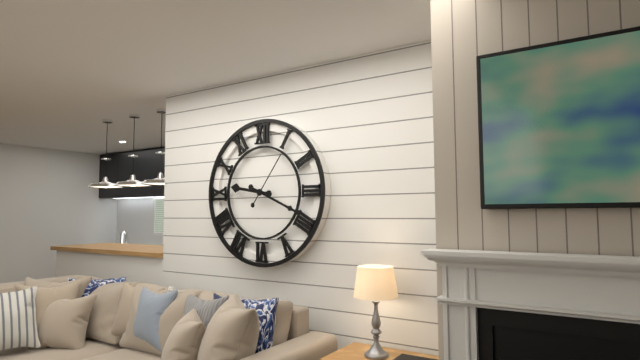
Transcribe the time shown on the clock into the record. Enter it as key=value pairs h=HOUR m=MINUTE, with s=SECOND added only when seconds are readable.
h=9 m=19 s=6
